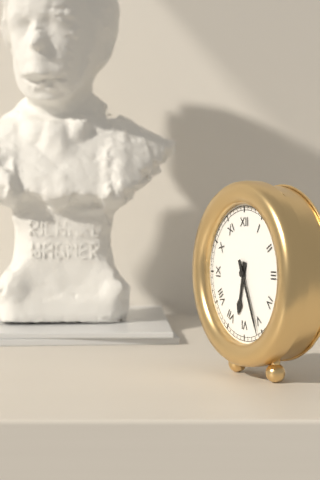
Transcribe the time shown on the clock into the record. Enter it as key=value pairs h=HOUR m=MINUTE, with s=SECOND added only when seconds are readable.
h=6 m=26
